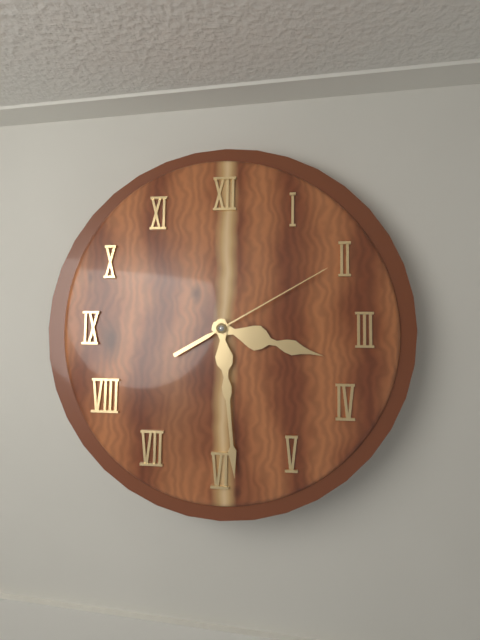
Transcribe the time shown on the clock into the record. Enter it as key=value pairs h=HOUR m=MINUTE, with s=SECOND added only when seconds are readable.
h=3 m=29 s=10
